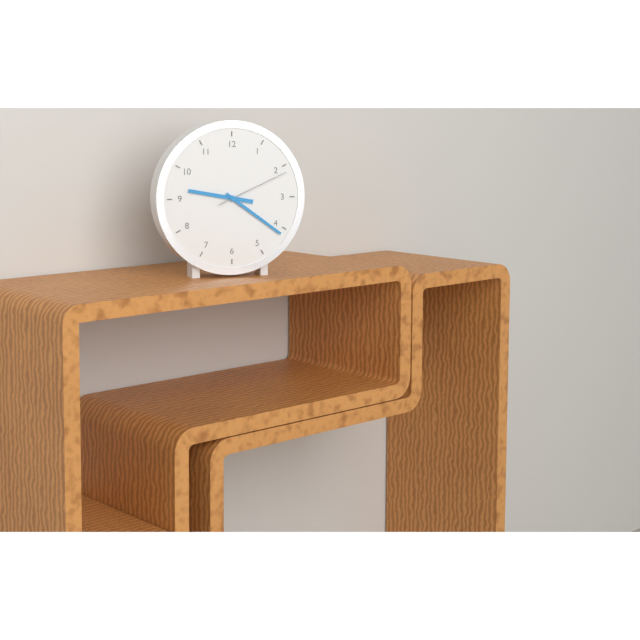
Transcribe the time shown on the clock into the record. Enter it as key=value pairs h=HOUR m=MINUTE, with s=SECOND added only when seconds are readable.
h=9 m=21 s=11
